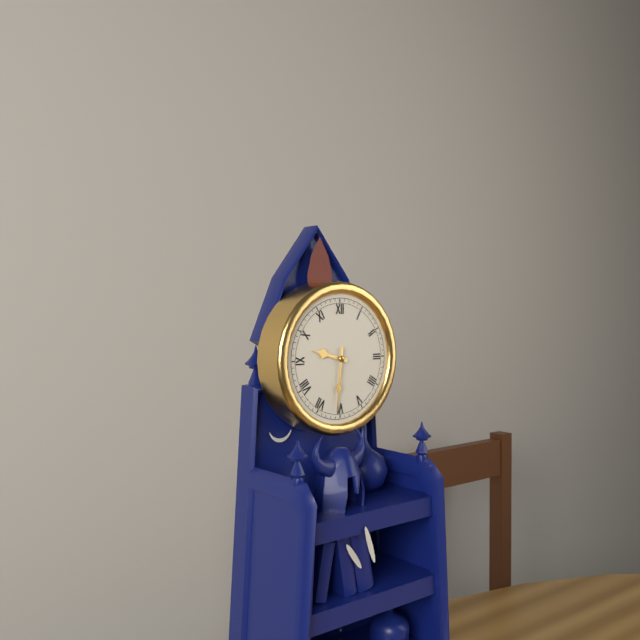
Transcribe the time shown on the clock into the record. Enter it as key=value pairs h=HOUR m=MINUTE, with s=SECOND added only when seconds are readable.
h=9 m=31
